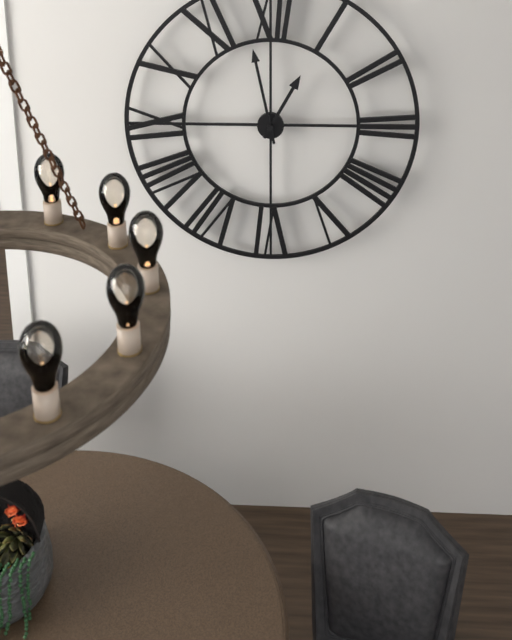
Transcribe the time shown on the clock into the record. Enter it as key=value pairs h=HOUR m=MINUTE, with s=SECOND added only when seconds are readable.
h=12 m=58
